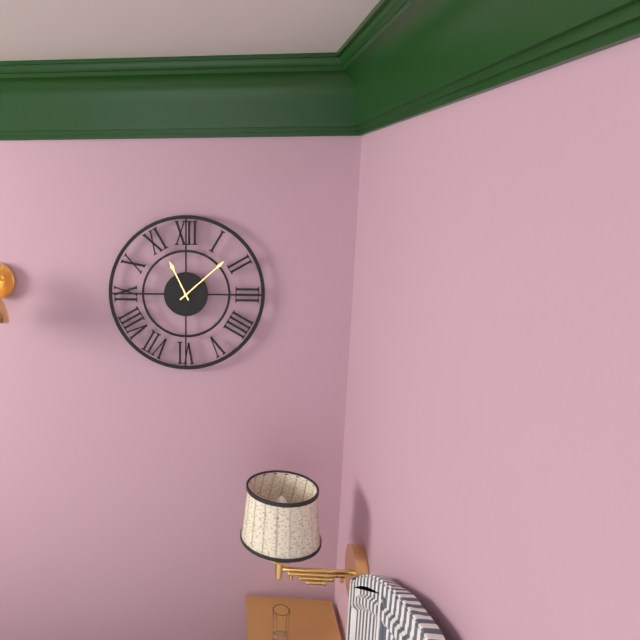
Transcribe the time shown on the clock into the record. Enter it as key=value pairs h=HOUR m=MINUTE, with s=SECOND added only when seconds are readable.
h=11 m=8
